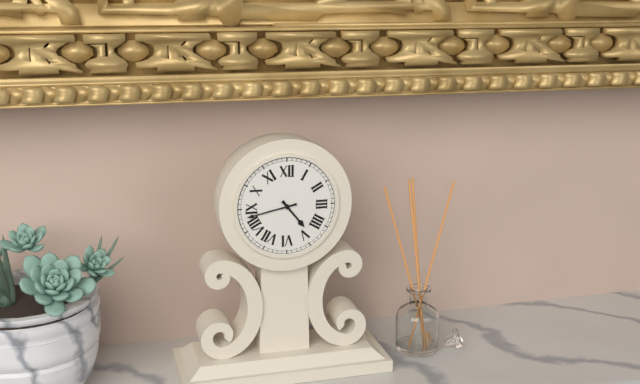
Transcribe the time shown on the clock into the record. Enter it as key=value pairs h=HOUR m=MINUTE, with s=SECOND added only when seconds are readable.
h=4 m=43
